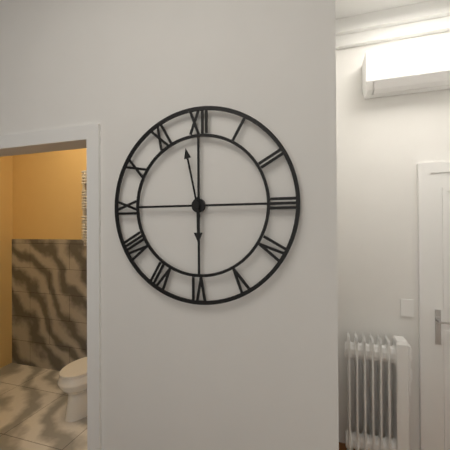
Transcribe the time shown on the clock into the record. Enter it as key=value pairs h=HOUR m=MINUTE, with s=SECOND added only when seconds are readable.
h=5 m=58
